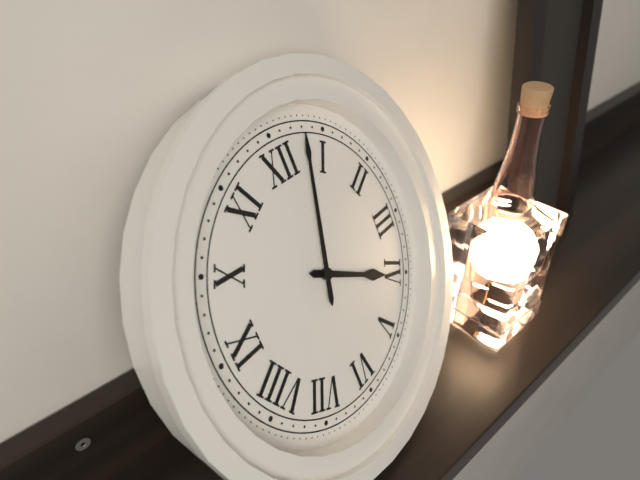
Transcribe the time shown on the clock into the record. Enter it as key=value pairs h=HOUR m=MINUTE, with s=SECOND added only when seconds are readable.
h=4 m=3
